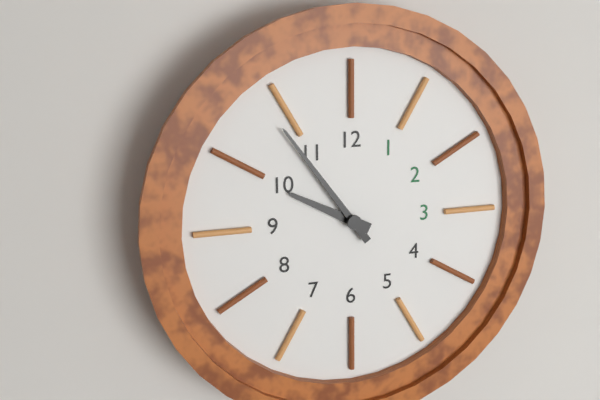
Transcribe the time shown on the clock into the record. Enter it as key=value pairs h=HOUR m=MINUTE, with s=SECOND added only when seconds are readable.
h=9 m=54
